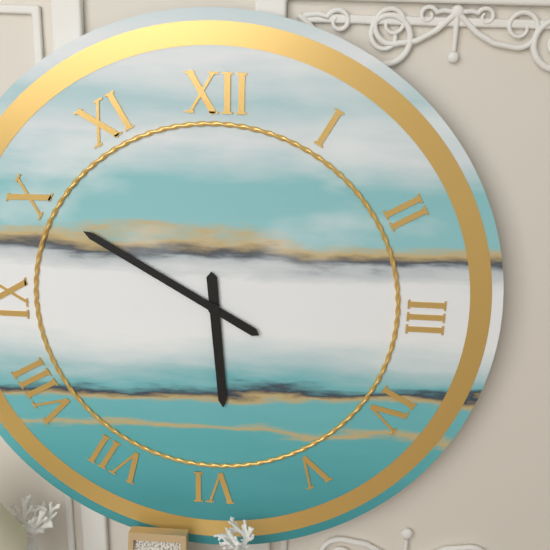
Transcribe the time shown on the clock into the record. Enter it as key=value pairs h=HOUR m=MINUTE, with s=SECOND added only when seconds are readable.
h=5 m=50
